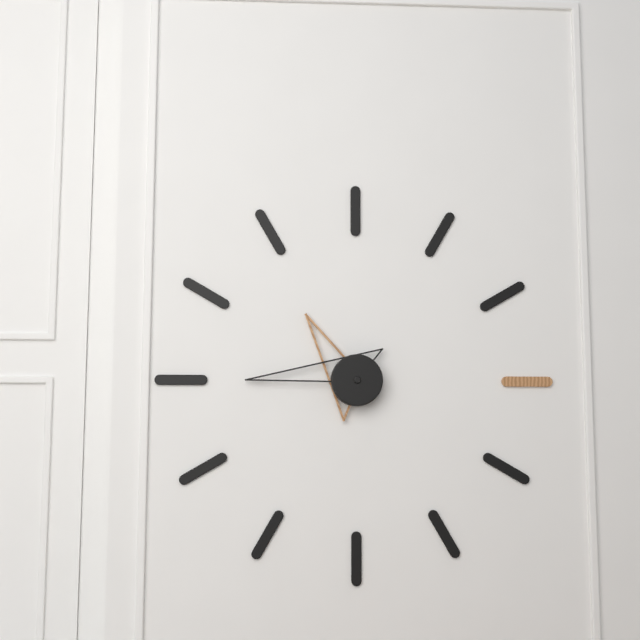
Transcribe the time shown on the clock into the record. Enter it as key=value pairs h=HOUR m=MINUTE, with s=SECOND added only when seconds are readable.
h=10 m=45
